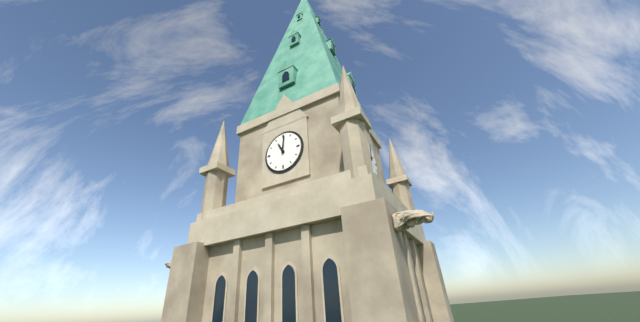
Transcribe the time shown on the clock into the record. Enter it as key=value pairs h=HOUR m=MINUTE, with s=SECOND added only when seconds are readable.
h=11 m=1
